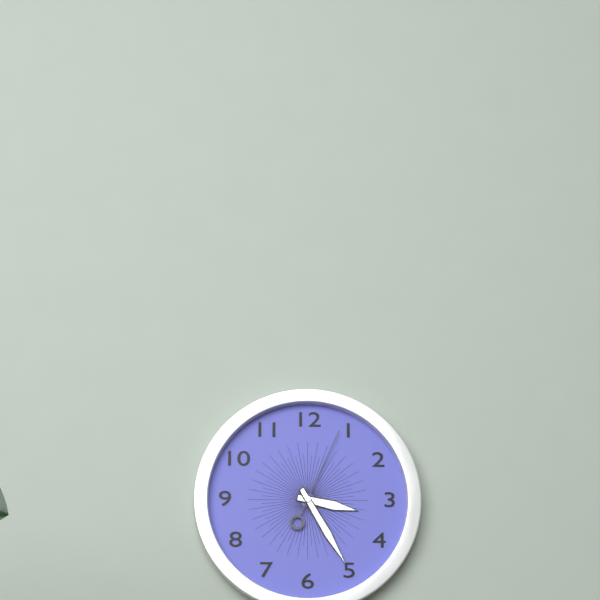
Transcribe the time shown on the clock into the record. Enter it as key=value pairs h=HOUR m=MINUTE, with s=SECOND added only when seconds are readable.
h=3 m=25 s=4
